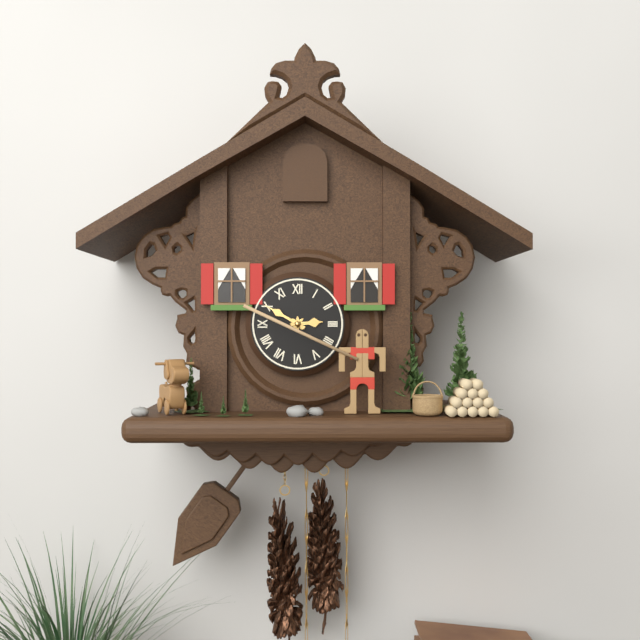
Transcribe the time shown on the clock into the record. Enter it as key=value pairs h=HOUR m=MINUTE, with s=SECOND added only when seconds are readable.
h=2 m=50
